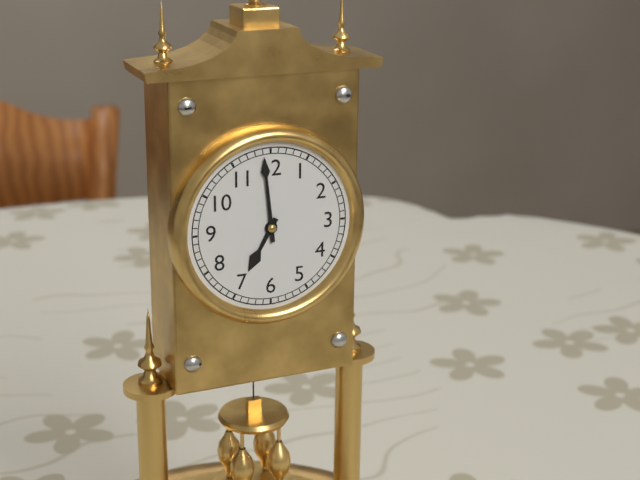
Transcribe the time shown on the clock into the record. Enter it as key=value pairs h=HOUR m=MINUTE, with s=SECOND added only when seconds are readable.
h=6 m=59
